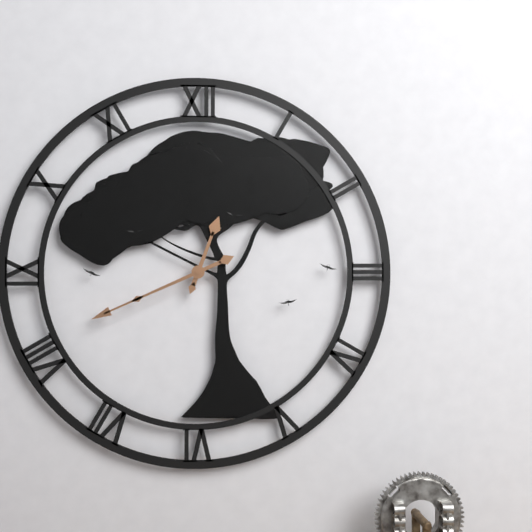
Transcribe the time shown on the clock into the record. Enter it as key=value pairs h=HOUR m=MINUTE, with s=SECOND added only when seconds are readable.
h=12 m=41
